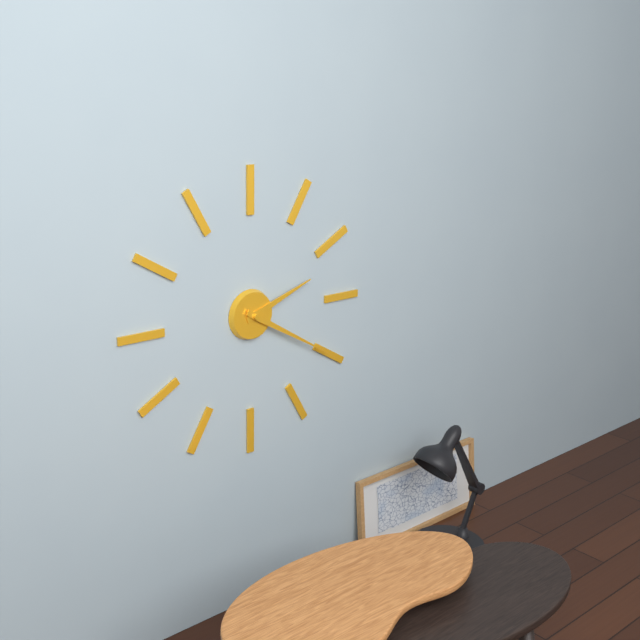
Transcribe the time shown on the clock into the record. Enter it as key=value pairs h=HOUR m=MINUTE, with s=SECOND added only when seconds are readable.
h=2 m=20
